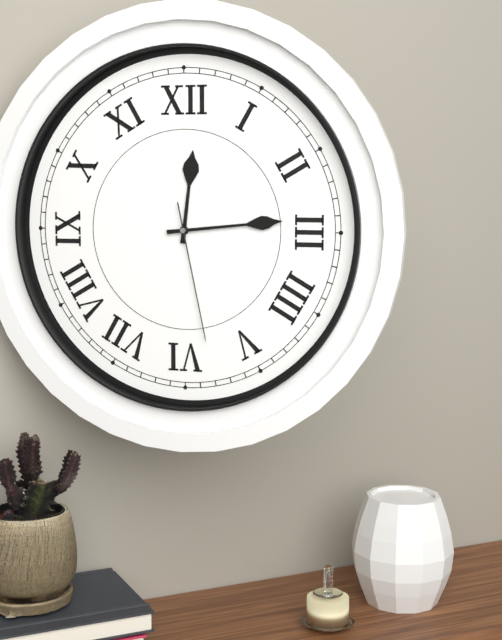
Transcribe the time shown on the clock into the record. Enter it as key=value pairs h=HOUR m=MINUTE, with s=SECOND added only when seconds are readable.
h=12 m=14 s=28
